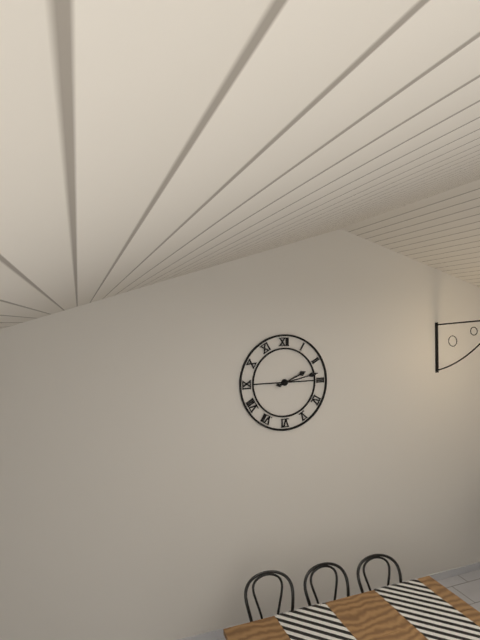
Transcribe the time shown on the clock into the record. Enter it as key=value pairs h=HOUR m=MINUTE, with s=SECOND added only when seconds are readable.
h=2 m=13
